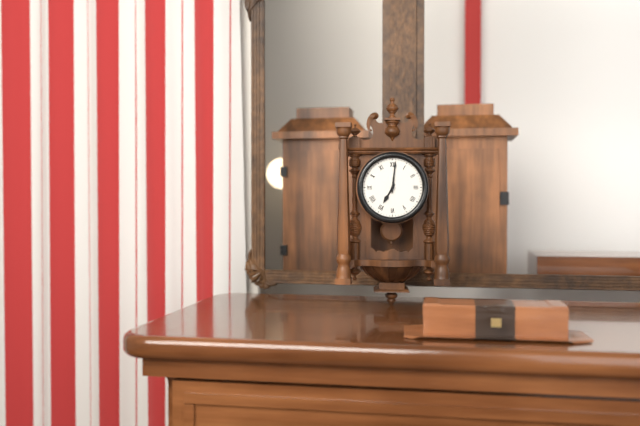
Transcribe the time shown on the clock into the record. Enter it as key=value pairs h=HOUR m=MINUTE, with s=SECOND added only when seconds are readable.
h=7 m=1
